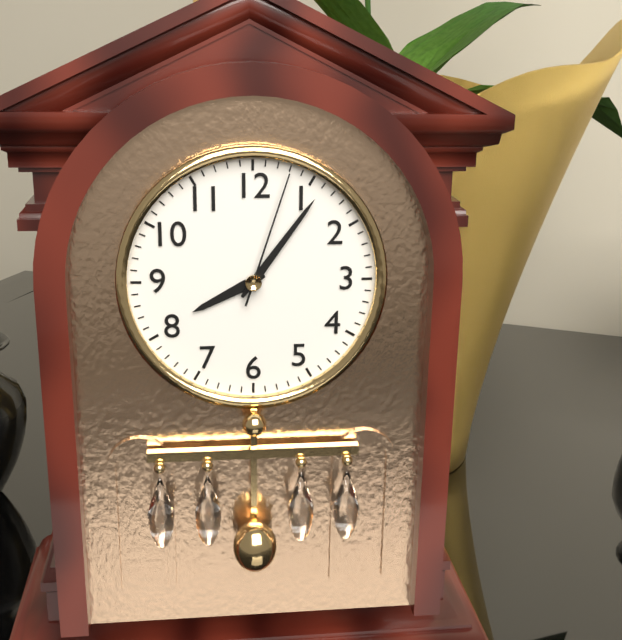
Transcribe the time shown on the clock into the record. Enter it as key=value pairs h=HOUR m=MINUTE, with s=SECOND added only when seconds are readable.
h=8 m=6 s=3
